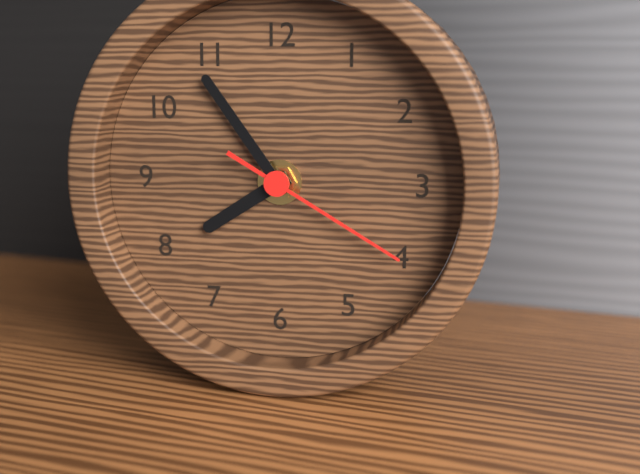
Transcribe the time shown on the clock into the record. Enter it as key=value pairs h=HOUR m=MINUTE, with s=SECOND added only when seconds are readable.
h=7 m=54 s=20
